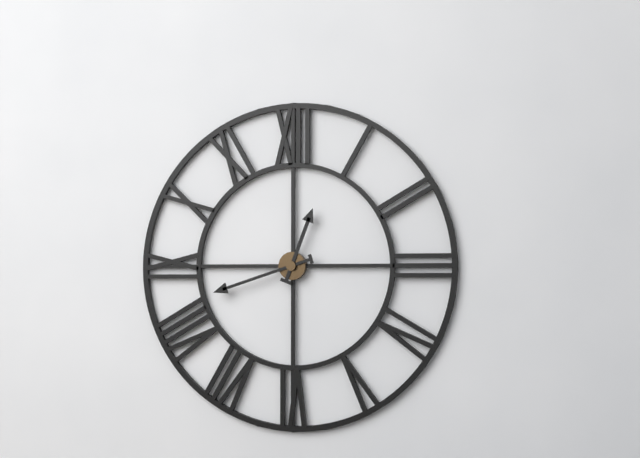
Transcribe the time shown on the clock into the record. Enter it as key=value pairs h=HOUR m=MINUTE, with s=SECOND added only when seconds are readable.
h=12 m=42
